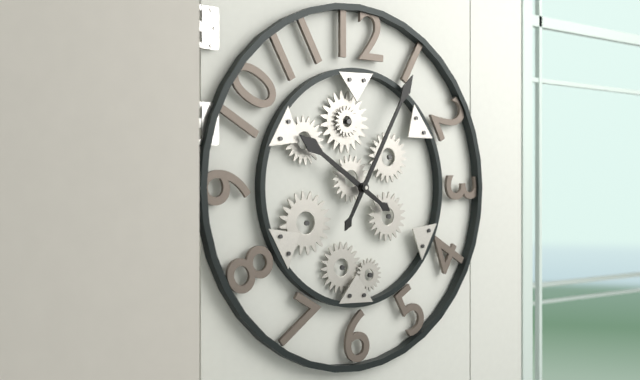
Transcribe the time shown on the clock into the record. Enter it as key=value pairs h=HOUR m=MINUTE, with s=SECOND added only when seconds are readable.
h=10 m=5
